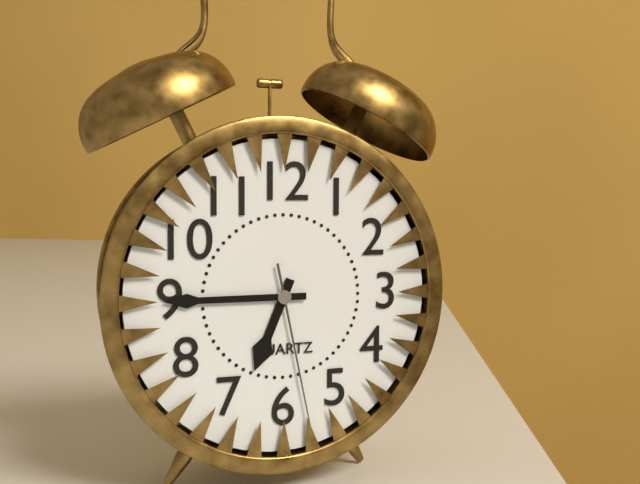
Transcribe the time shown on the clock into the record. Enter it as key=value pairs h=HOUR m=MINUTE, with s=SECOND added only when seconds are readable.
h=6 m=45 s=28
